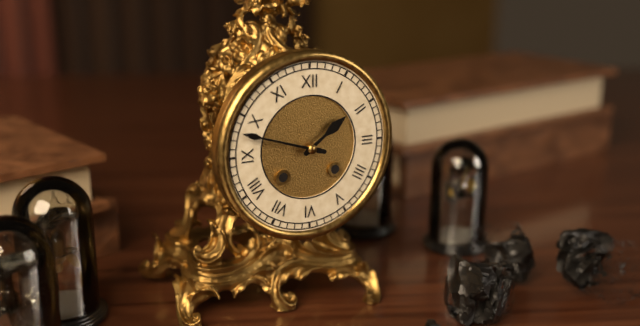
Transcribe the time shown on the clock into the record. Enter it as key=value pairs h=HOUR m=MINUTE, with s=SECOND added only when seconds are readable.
h=1 m=48
